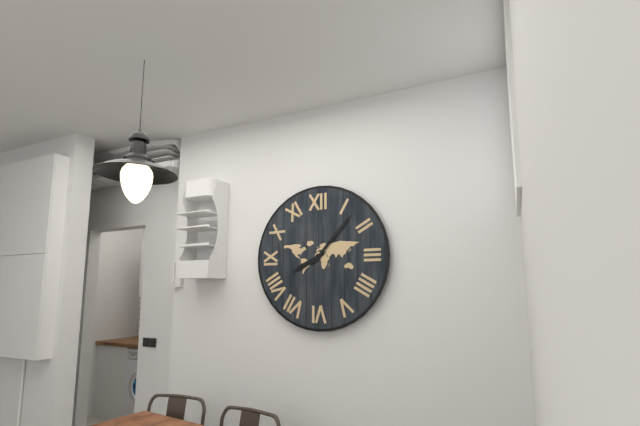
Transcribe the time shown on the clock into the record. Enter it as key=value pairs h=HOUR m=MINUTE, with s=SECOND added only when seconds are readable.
h=8 m=7
